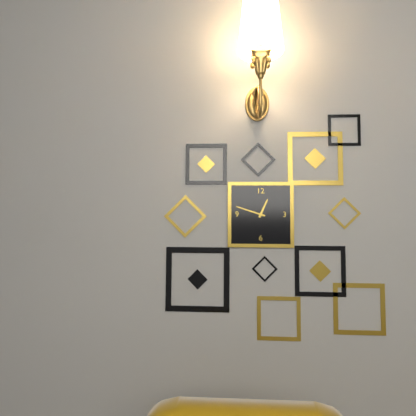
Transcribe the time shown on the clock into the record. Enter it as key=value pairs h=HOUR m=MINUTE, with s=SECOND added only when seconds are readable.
h=12 m=48
